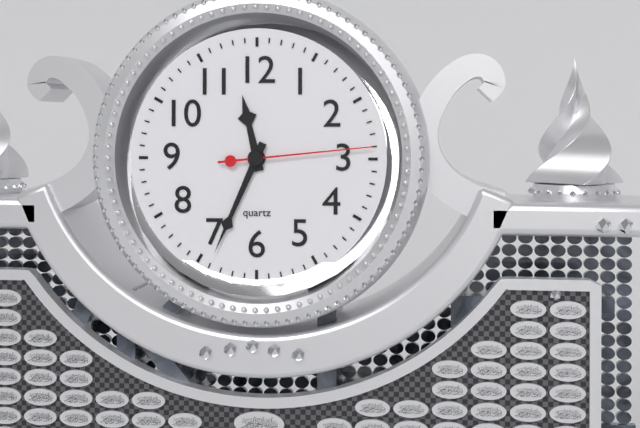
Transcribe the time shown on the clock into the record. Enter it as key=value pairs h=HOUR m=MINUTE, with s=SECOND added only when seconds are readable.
h=11 m=34 s=14
